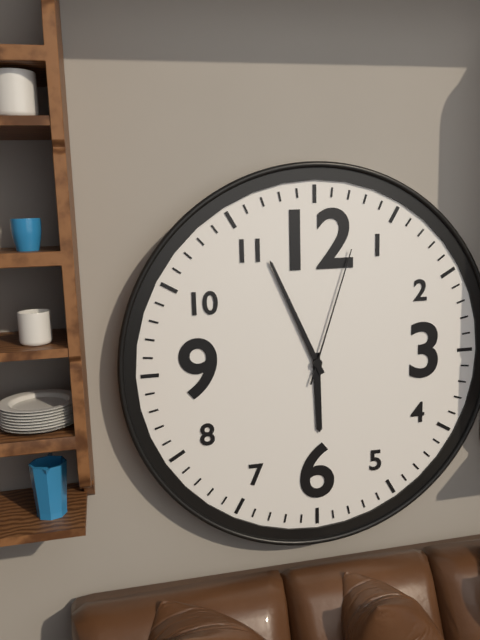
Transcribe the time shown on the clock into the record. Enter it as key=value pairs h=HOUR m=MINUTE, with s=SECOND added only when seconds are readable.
h=5 m=56 s=3
